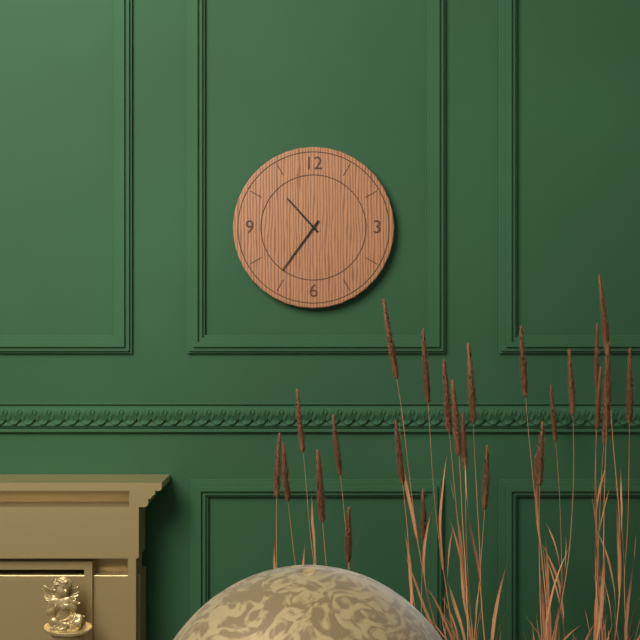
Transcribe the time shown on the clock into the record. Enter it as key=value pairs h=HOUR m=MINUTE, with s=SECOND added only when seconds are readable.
h=10 m=36
